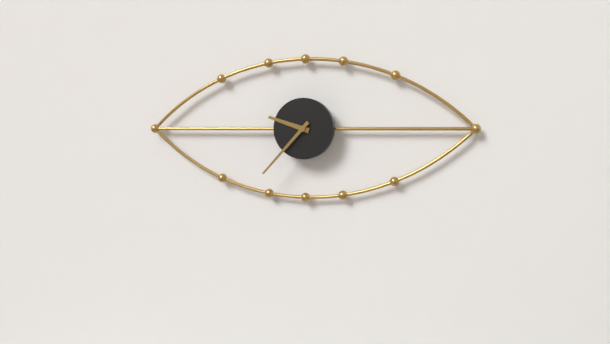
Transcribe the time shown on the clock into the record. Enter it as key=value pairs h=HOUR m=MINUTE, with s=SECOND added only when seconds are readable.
h=9 m=37
